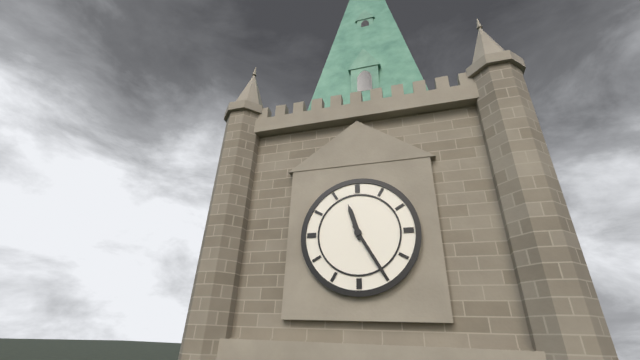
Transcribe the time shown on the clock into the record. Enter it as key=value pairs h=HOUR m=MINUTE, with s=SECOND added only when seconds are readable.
h=11 m=25
